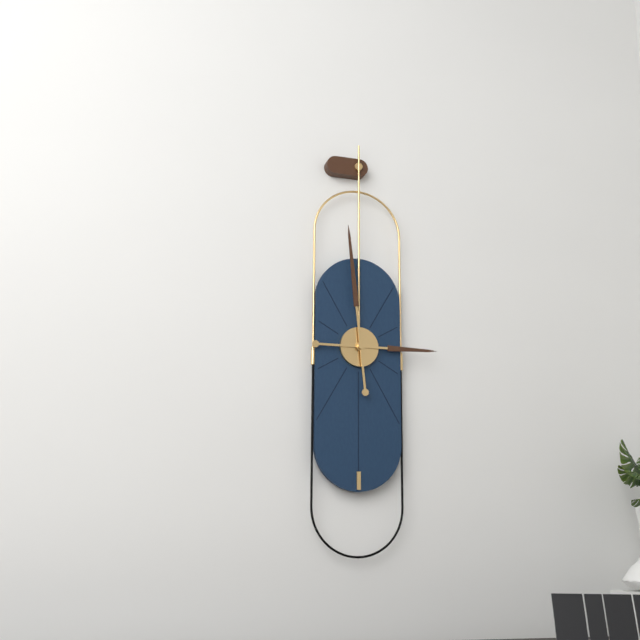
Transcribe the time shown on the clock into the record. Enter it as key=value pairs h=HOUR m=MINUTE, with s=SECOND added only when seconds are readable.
h=2 m=59
